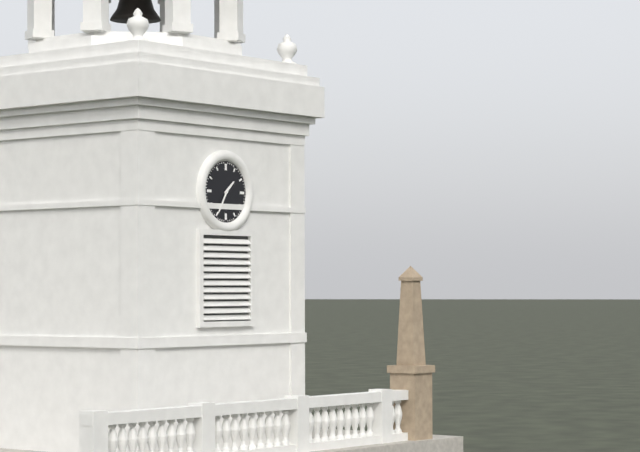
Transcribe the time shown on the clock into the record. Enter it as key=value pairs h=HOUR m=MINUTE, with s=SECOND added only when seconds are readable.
h=1 m=35
